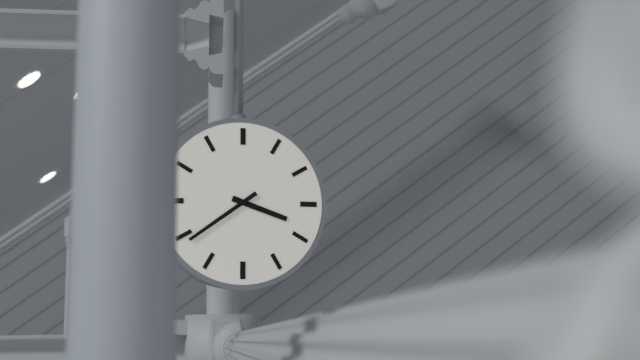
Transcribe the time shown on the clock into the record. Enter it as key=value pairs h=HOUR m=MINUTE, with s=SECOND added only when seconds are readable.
h=3 m=39
